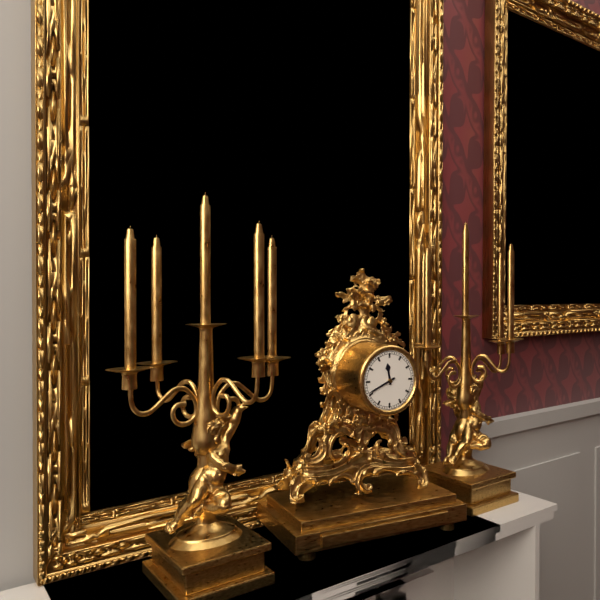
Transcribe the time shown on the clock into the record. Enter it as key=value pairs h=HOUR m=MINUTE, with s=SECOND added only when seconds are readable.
h=11 m=41
